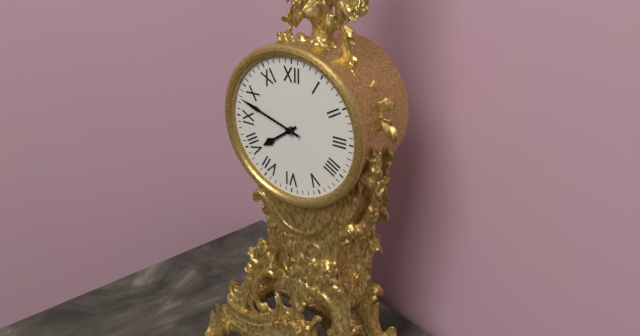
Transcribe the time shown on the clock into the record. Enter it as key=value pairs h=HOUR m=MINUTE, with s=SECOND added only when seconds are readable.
h=7 m=48
